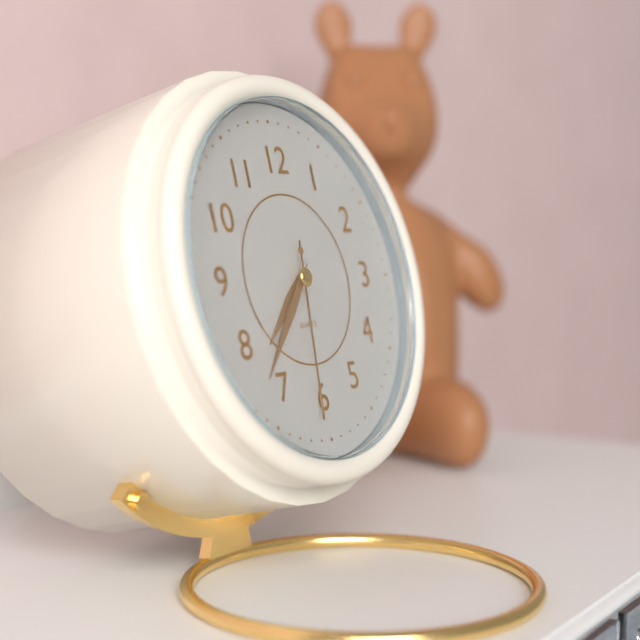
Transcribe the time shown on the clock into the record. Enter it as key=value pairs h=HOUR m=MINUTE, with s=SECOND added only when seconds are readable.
h=7 m=37 s=31
